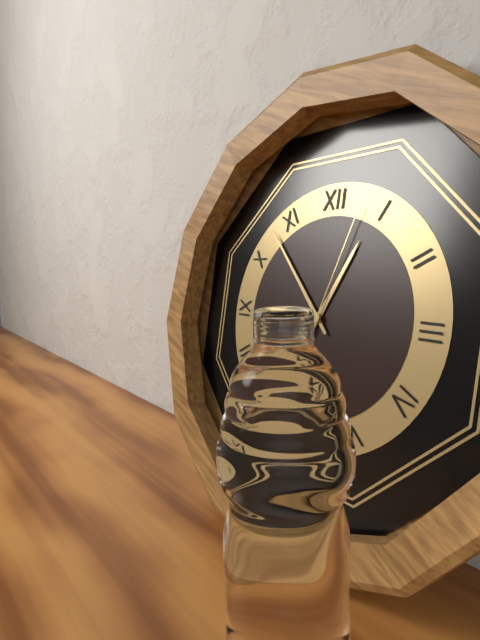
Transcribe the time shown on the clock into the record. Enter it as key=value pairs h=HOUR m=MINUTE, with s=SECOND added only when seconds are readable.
h=12 m=53 s=3
